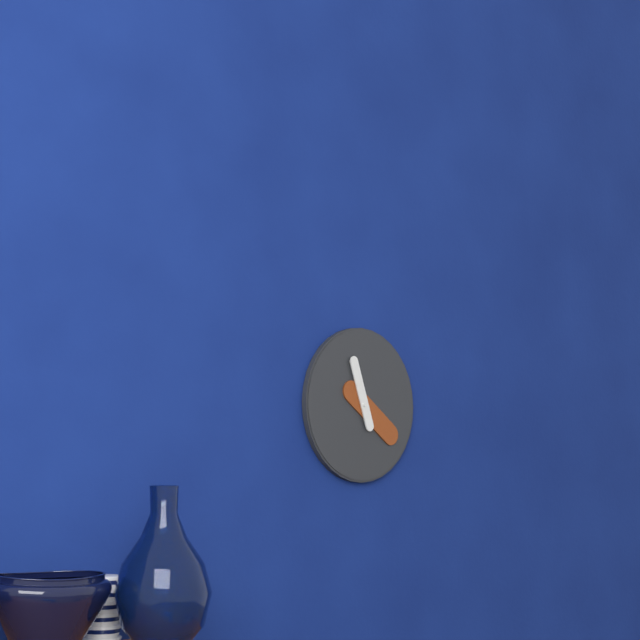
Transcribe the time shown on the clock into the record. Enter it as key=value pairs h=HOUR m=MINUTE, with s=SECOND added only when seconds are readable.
h=11 m=21
